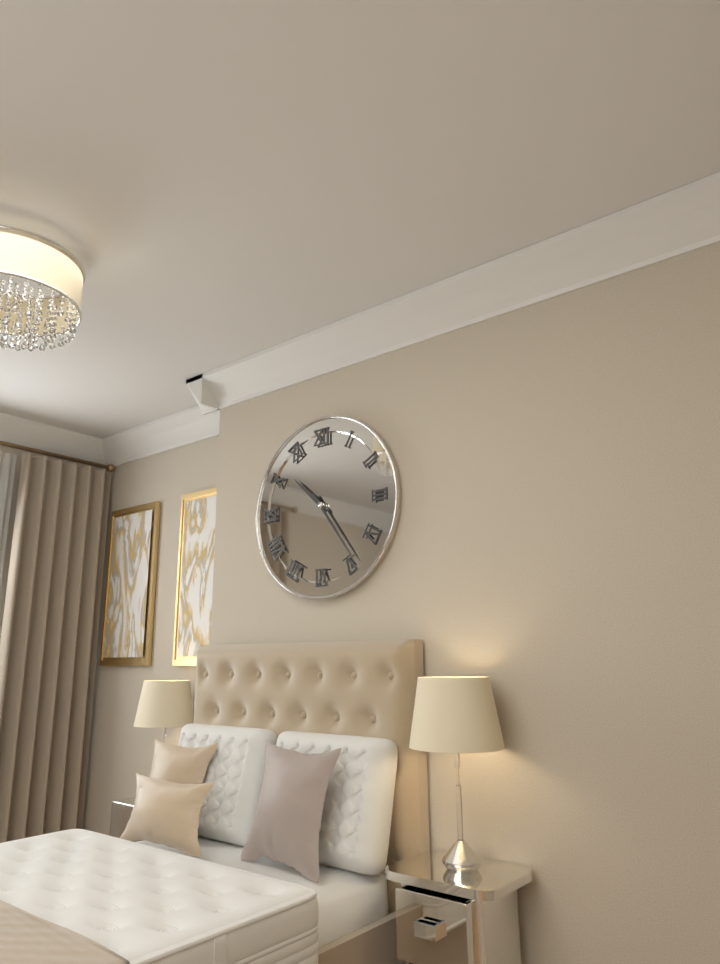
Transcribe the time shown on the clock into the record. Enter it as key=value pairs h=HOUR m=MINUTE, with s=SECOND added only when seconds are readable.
h=10 m=24
